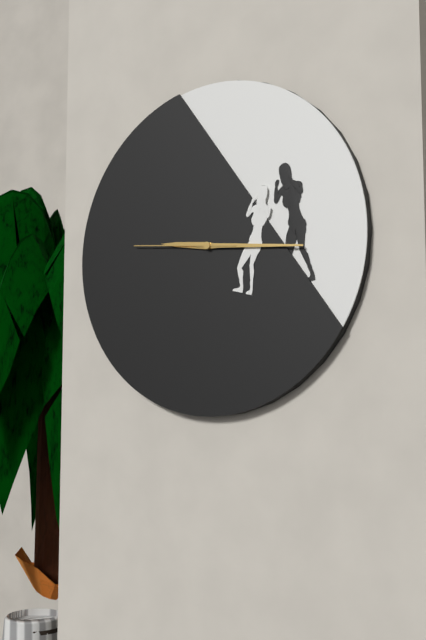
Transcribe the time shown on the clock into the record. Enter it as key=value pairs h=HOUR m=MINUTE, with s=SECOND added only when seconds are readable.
h=9 m=16 s=46
